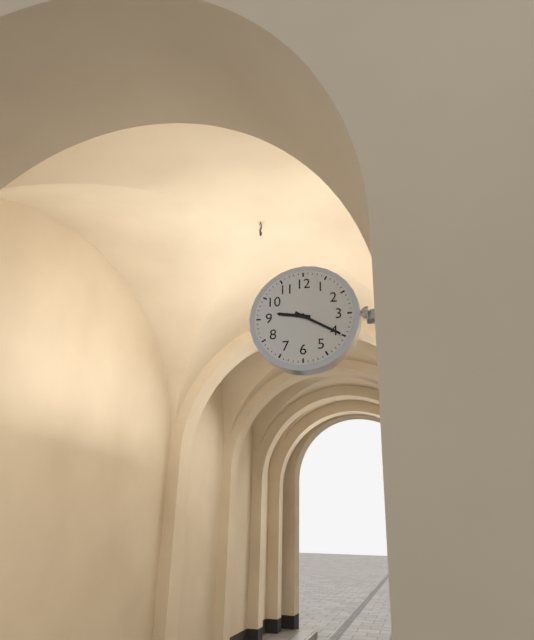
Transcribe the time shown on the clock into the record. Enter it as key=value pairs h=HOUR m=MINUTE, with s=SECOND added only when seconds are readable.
h=9 m=20
